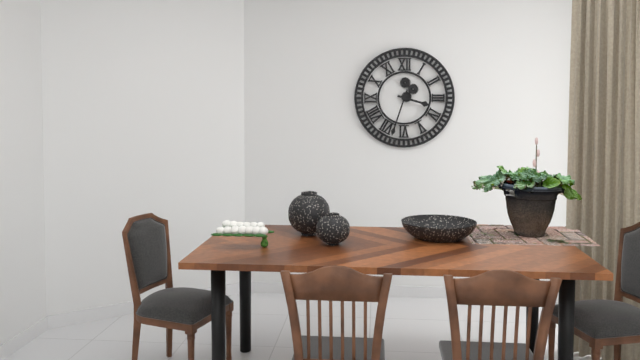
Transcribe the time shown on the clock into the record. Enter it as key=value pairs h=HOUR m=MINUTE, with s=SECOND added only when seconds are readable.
h=3 m=33
